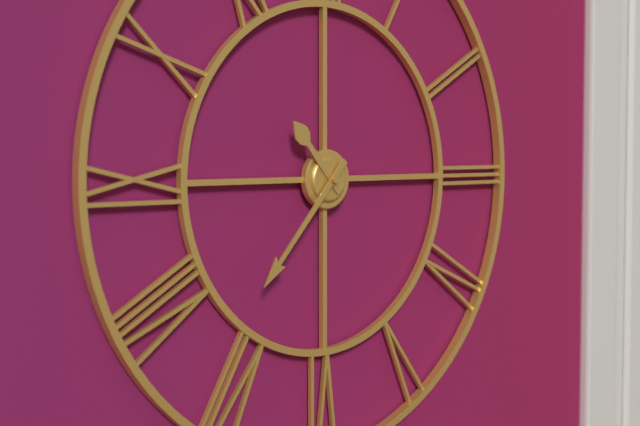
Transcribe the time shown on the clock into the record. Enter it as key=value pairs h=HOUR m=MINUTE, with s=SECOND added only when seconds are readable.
h=10 m=37
